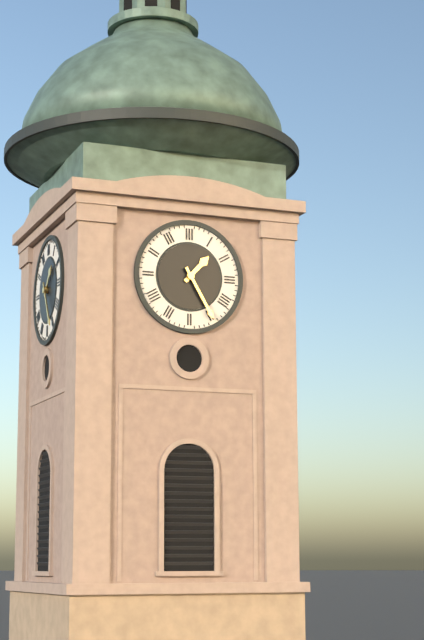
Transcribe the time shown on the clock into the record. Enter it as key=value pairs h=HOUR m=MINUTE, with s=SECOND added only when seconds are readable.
h=1 m=25
